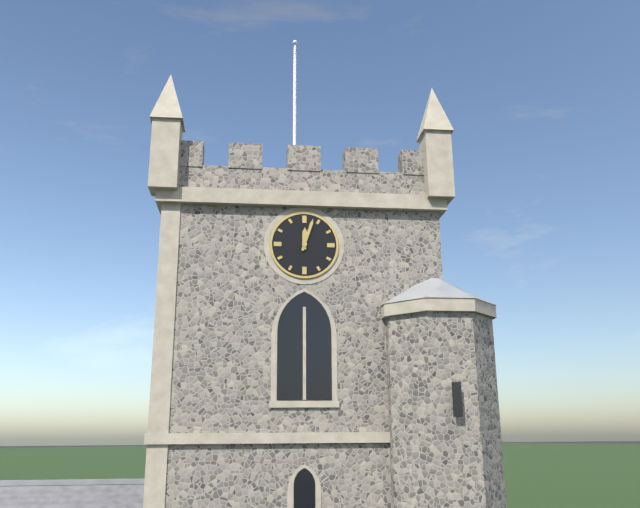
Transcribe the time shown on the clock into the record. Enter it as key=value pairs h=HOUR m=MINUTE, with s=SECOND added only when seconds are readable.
h=12 m=3
